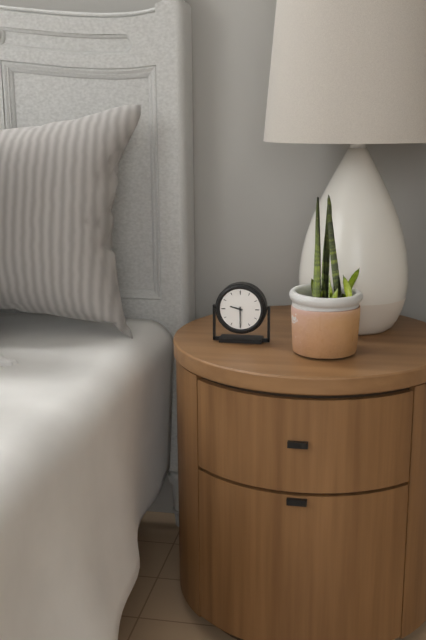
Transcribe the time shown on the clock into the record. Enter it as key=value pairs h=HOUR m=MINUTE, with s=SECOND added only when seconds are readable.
h=9 m=30
